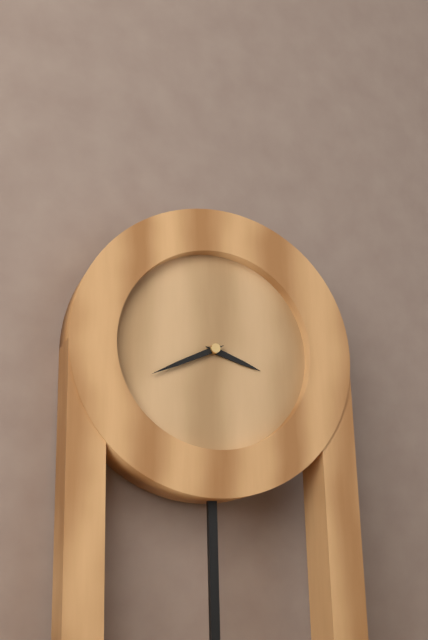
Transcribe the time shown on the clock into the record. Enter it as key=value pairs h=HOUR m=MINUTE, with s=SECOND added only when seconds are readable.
h=3 m=41
